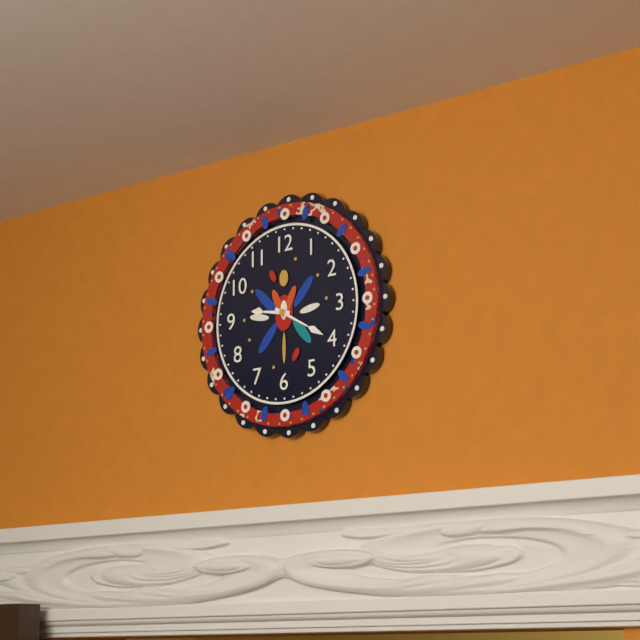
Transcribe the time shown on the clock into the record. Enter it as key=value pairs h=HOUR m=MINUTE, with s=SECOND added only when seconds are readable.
h=9 m=20
